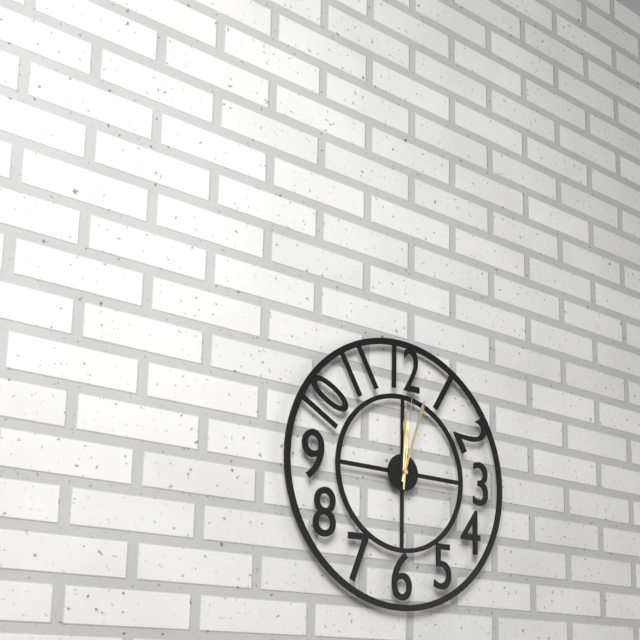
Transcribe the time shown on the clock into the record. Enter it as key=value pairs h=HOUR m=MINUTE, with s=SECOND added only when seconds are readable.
h=12 m=3 s=1
